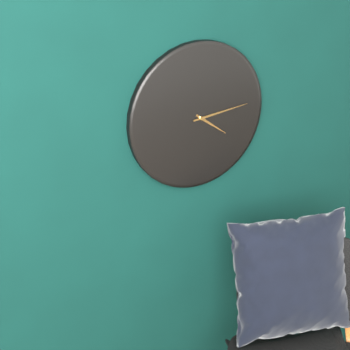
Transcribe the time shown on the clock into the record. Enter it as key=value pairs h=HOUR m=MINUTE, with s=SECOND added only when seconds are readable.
h=4 m=14
